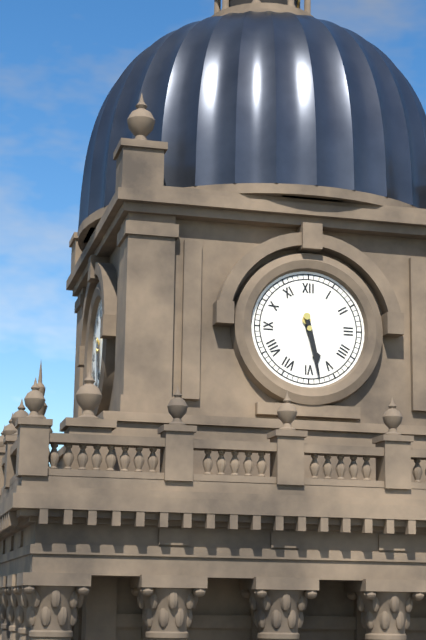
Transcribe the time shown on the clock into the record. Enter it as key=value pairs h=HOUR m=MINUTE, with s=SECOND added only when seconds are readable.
h=5 m=28
